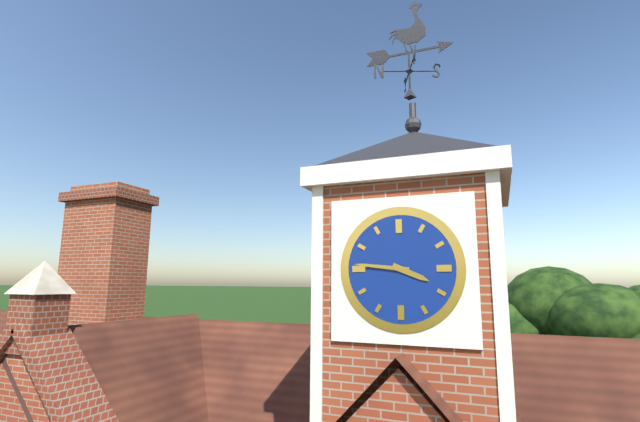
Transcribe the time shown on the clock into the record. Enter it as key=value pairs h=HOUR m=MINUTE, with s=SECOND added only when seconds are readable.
h=3 m=46
